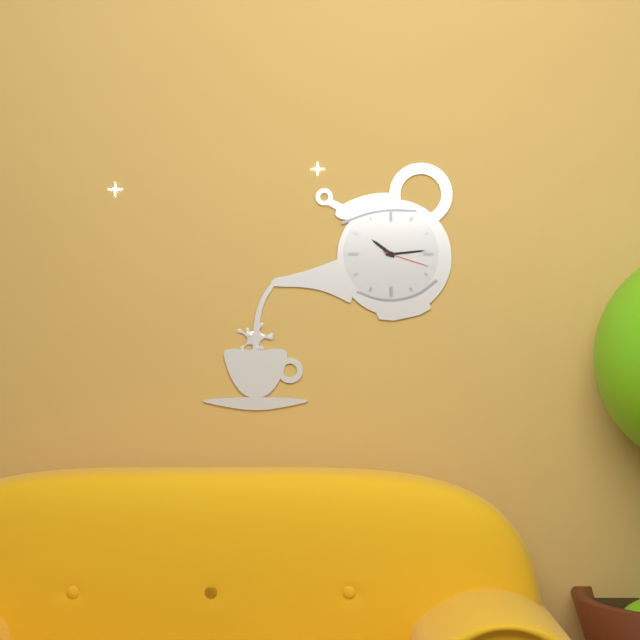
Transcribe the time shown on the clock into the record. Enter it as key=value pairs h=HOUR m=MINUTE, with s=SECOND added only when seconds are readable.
h=10 m=14
